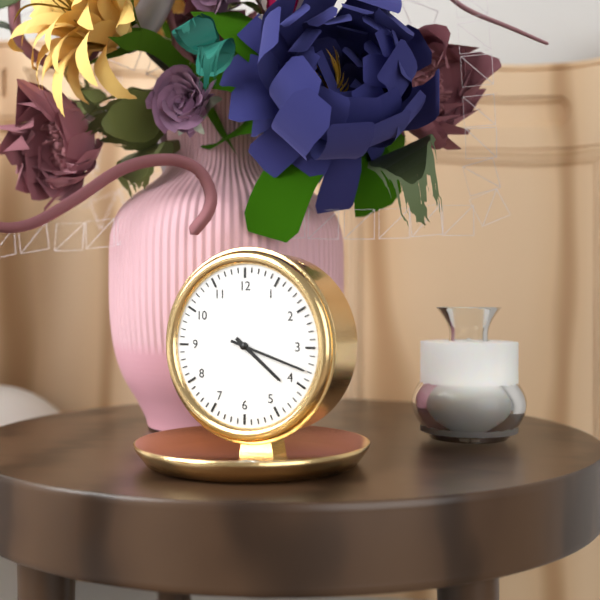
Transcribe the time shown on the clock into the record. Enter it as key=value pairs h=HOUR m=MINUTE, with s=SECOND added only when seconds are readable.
h=4 m=18
